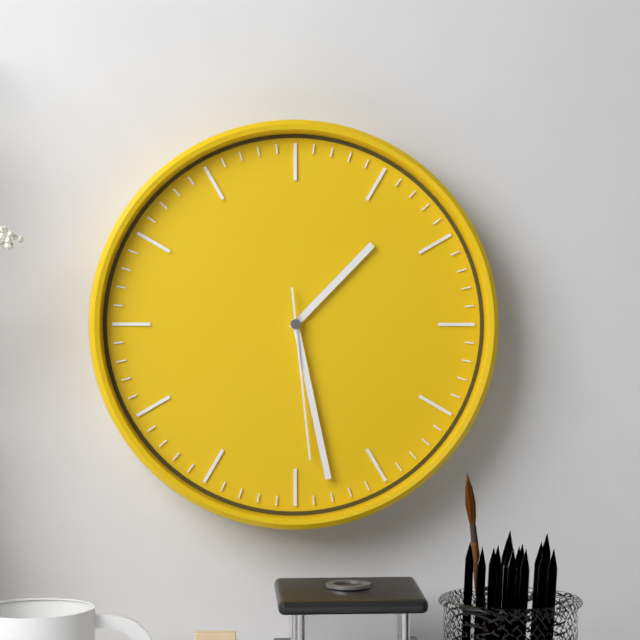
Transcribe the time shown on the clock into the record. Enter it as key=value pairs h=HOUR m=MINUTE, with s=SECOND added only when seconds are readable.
h=1 m=28 s=29
